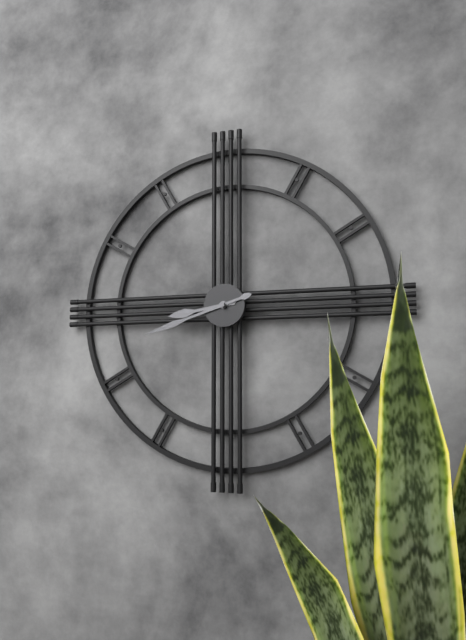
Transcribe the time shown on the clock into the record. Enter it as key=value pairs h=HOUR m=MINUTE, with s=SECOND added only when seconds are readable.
h=8 m=42
